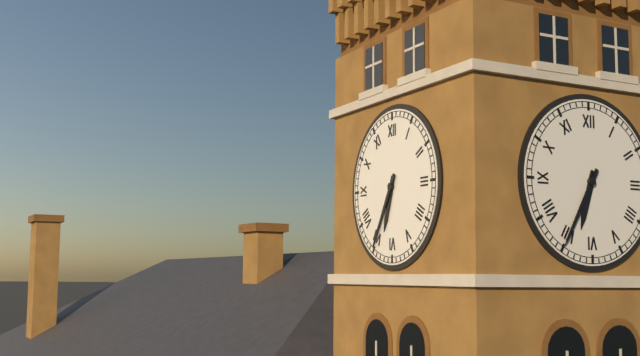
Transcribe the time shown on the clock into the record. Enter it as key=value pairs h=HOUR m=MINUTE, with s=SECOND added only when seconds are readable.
h=6 m=35
